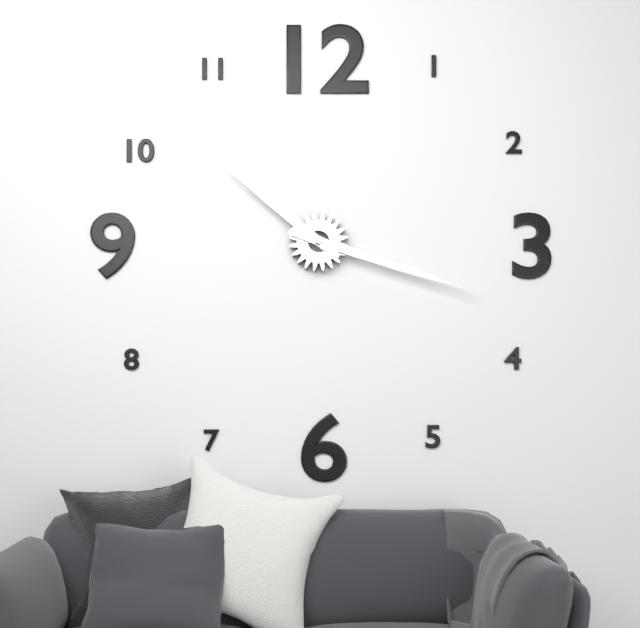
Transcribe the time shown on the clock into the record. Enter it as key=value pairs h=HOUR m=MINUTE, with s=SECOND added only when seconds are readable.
h=10 m=18
